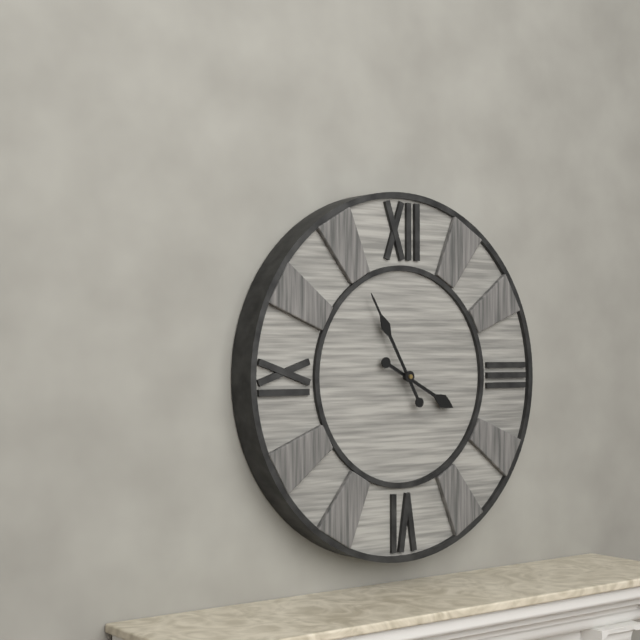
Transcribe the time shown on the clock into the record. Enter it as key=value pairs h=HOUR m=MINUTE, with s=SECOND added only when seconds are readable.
h=3 m=55
